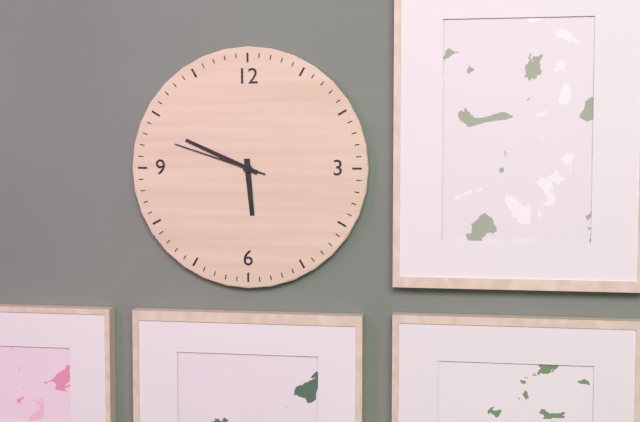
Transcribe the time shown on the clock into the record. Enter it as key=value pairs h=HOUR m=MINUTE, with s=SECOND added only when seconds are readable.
h=5 m=49 s=48
